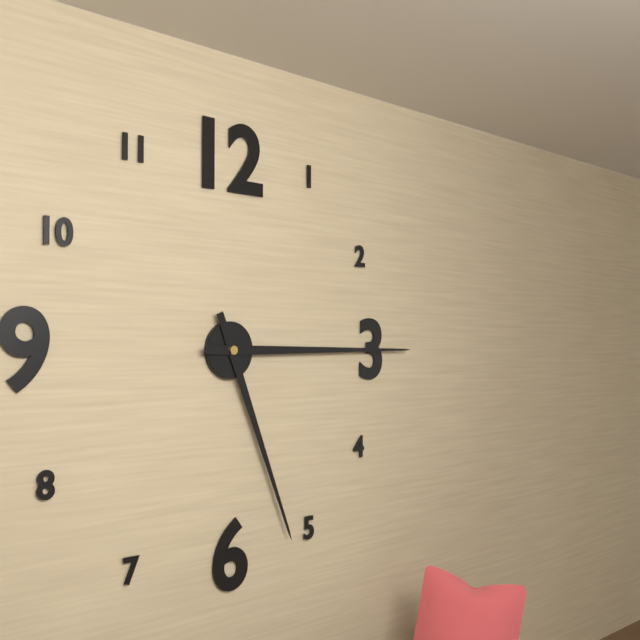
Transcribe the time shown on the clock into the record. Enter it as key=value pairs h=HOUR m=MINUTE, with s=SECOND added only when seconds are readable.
h=5 m=15
